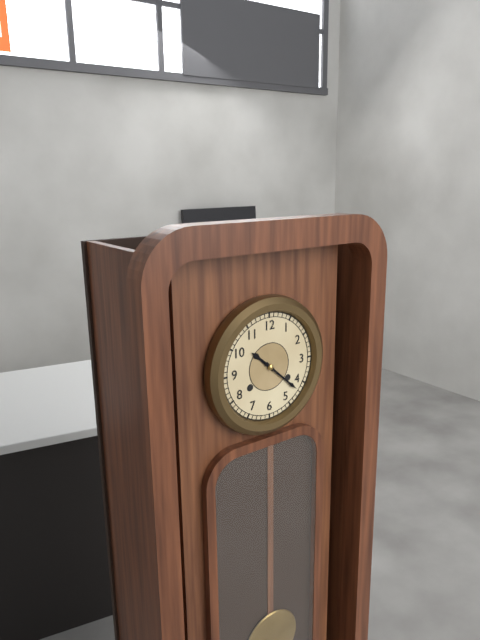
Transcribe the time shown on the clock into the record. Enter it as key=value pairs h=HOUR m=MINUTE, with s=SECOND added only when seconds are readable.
h=10 m=22
